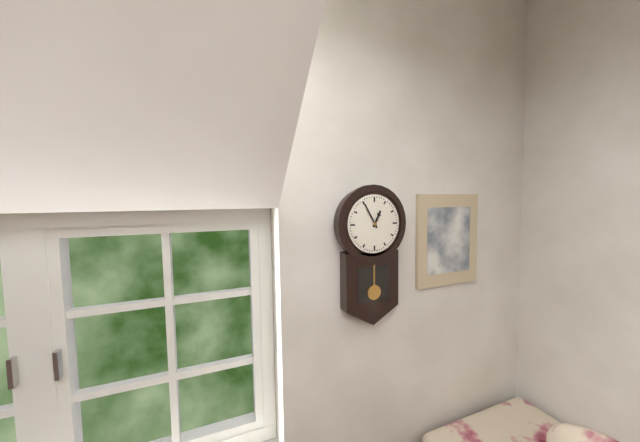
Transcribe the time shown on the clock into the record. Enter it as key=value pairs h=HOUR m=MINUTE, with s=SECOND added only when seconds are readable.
h=12 m=55
